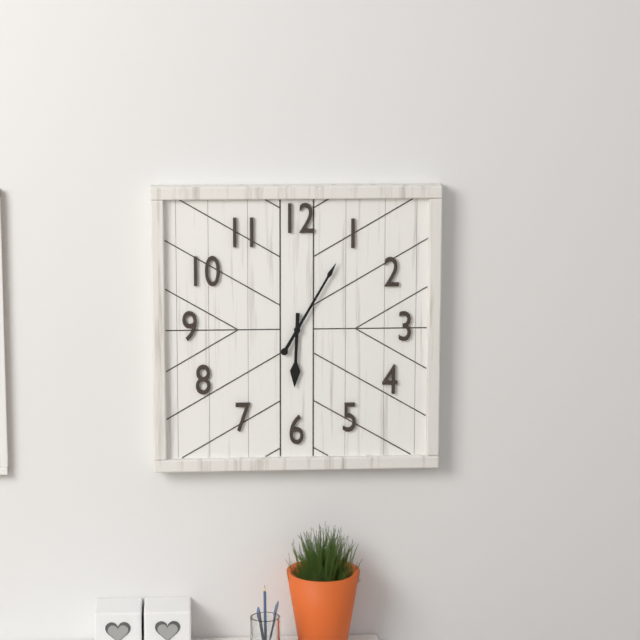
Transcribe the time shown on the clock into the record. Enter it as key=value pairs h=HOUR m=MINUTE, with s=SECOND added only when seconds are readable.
h=6 m=5
